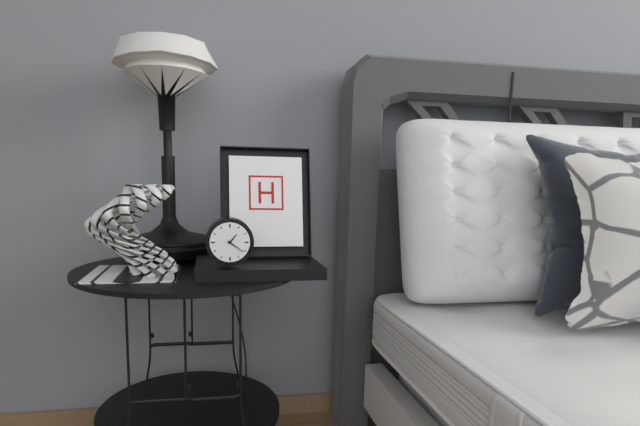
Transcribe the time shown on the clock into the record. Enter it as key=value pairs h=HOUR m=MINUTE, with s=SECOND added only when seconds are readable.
h=1 m=21
